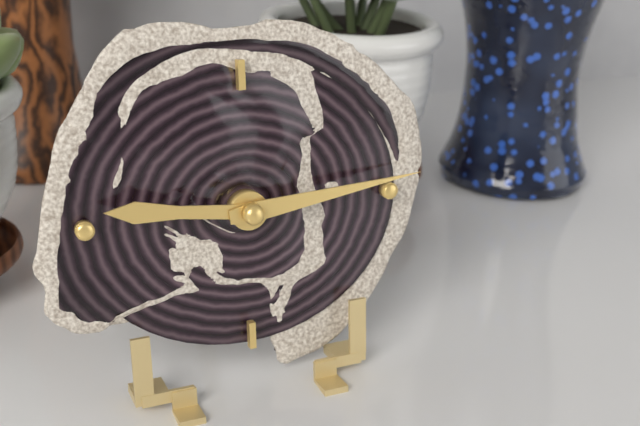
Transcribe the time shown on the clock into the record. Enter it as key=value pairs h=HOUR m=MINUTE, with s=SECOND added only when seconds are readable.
h=9 m=14
